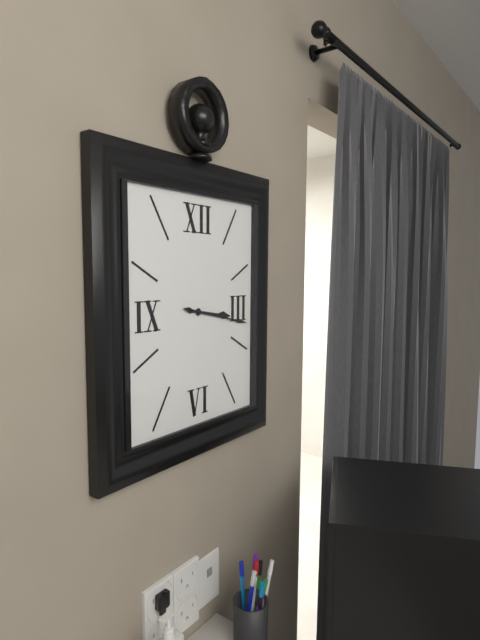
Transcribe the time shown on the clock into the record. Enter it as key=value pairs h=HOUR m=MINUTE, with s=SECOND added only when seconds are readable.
h=3 m=17
